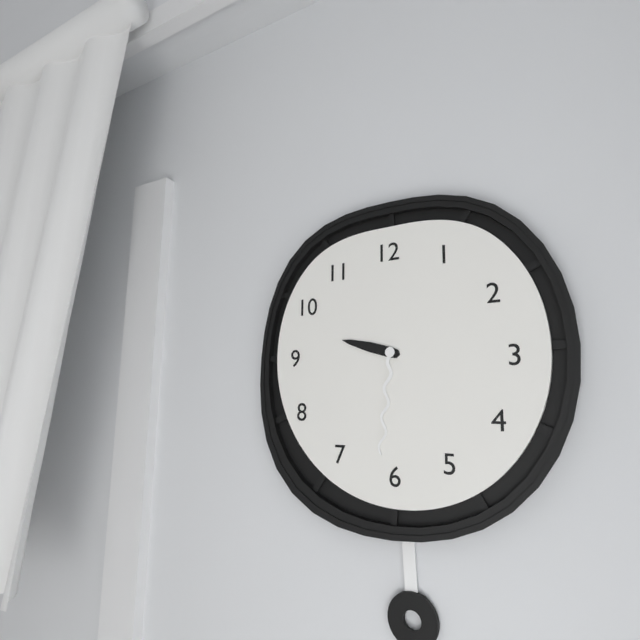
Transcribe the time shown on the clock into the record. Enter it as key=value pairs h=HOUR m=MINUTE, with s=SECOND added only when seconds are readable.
h=9 m=31
